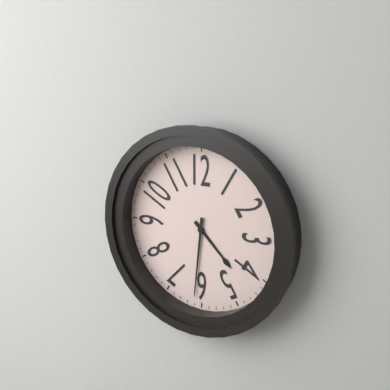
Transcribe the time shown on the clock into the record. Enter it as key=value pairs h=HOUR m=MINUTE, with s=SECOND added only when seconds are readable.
h=4 m=31
